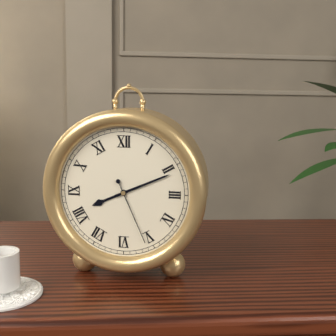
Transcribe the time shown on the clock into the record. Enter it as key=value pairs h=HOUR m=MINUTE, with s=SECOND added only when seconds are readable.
h=8 m=11 s=26
